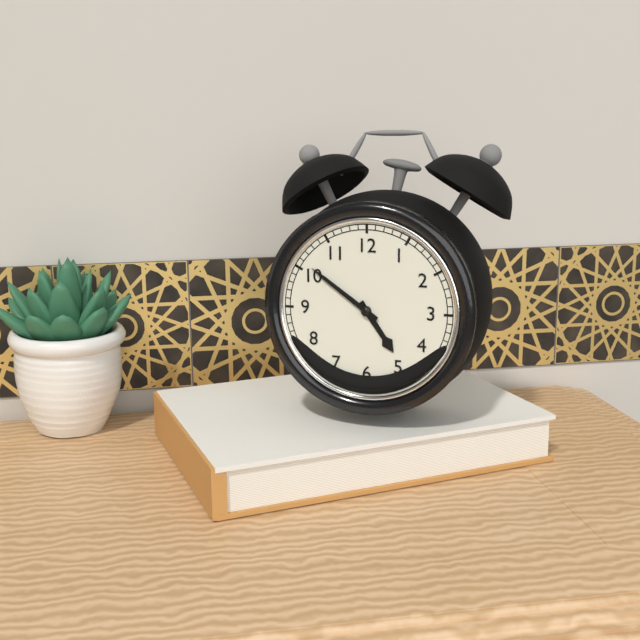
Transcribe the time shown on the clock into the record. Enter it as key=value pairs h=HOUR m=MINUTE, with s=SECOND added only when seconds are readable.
h=4 m=51
